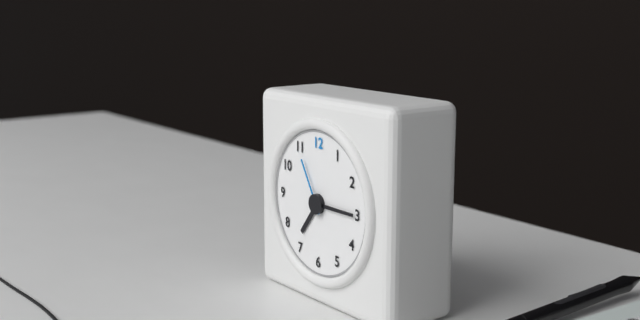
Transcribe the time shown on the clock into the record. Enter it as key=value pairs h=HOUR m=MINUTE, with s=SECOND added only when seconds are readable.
h=7 m=15 s=55
